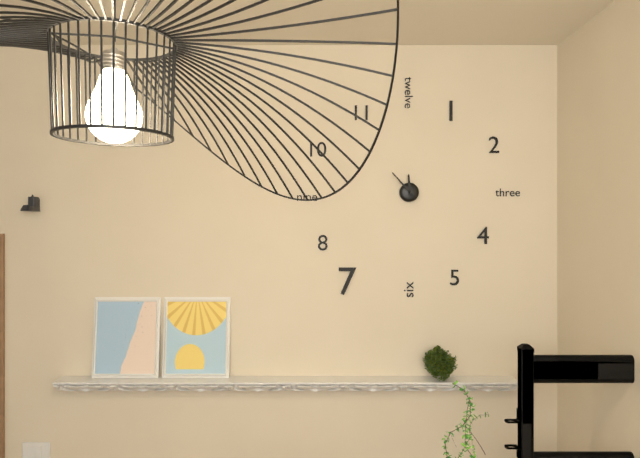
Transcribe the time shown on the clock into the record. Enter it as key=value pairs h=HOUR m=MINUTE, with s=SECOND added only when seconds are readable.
h=11 m=53
